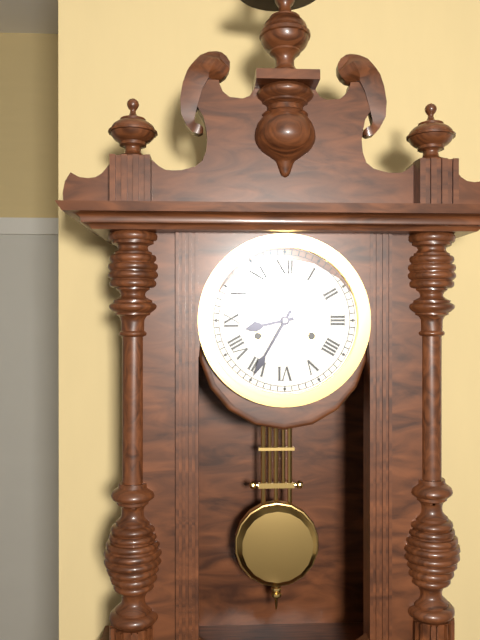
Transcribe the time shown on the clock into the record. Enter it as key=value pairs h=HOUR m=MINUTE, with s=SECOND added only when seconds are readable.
h=8 m=35
